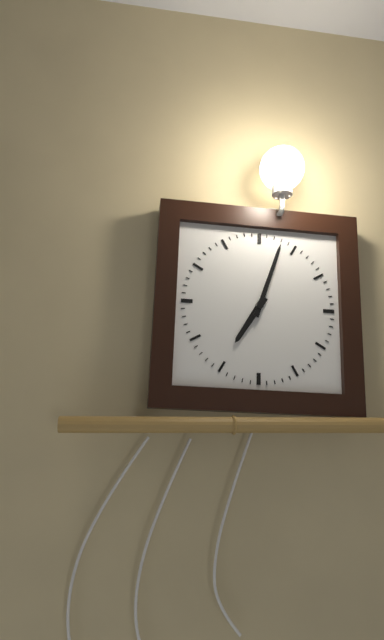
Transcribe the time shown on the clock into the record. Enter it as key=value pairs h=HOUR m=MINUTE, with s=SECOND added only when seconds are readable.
h=7 m=3
